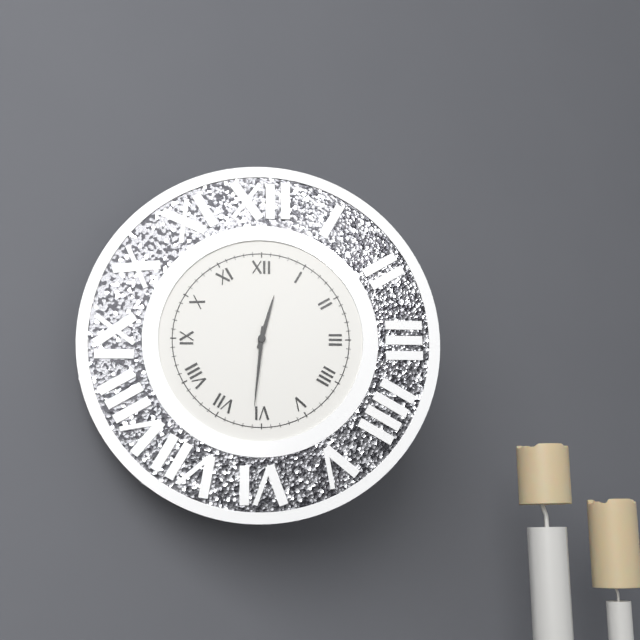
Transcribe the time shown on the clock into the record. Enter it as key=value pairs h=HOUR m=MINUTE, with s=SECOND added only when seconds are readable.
h=12 m=31
